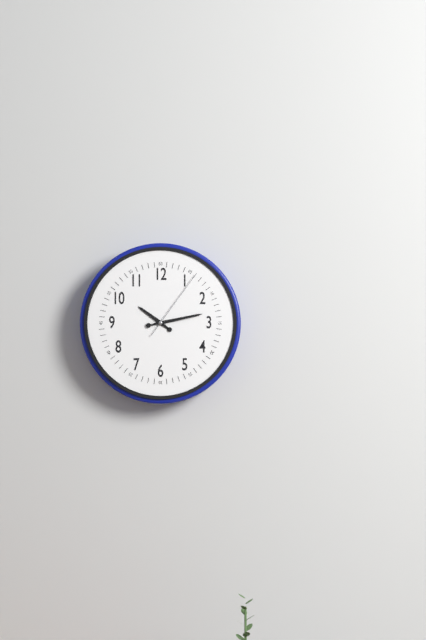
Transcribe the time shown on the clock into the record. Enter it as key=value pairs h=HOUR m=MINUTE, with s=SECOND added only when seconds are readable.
h=10 m=13 s=6
